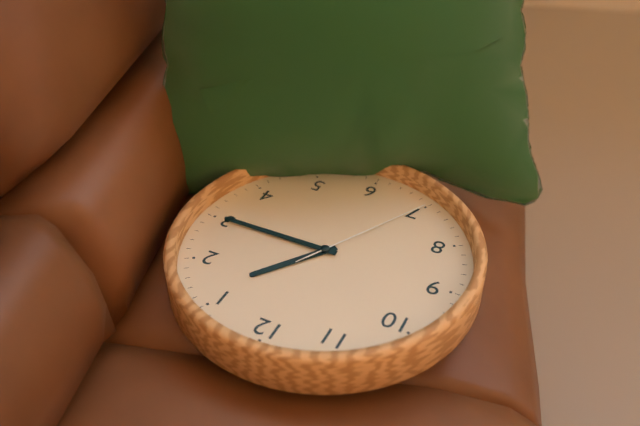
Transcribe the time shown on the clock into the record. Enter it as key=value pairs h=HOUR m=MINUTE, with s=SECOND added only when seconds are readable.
h=1 m=15 s=35
